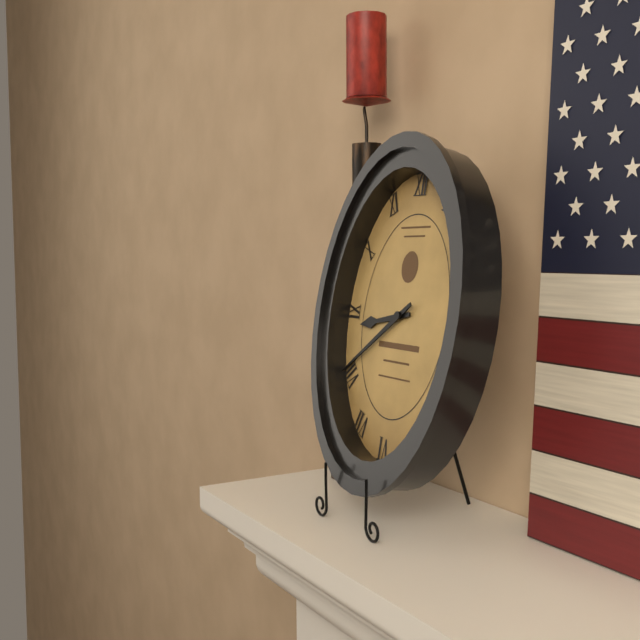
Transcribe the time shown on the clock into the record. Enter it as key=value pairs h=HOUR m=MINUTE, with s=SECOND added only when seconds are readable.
h=8 m=39
